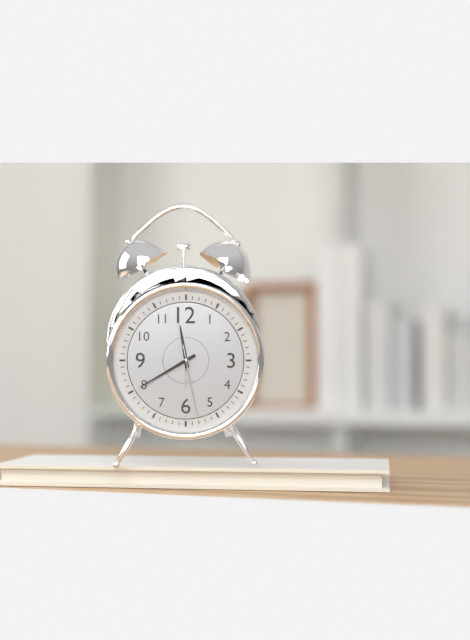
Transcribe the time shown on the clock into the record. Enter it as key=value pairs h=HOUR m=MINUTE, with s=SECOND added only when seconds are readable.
h=11 m=40 s=28
